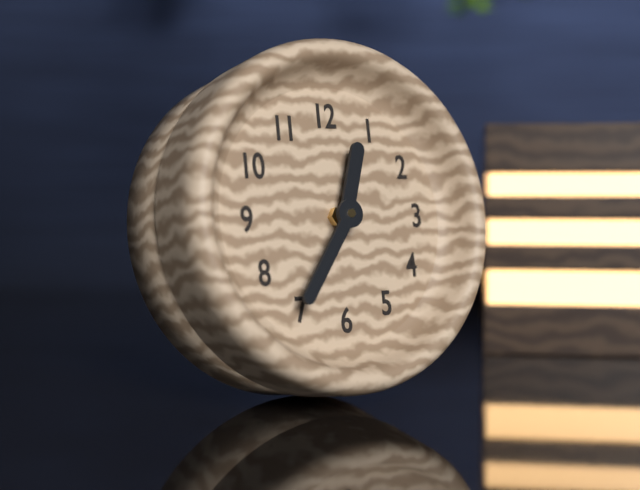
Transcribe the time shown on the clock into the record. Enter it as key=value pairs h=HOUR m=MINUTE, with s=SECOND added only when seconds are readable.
h=12 m=36
